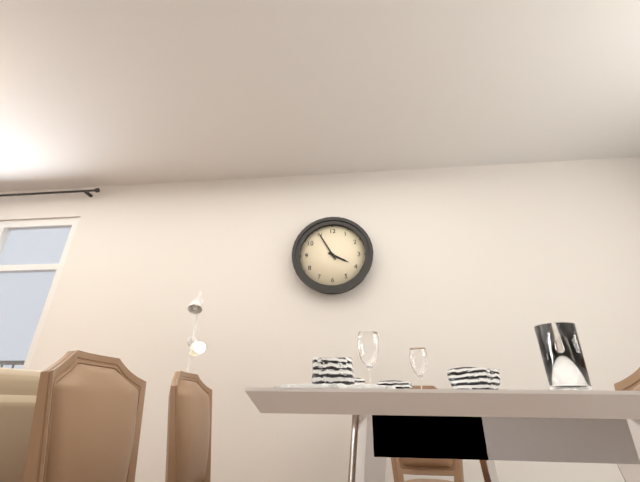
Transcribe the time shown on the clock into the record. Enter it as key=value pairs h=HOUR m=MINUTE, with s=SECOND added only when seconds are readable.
h=3 m=55
